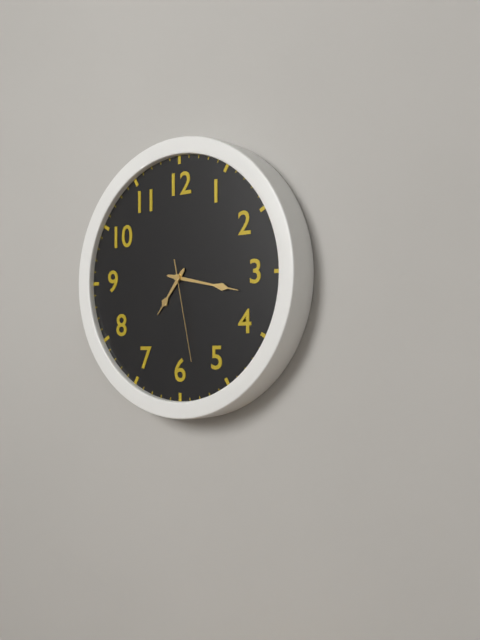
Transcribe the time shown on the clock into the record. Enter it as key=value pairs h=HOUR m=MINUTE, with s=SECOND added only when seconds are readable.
h=7 m=17 s=28
